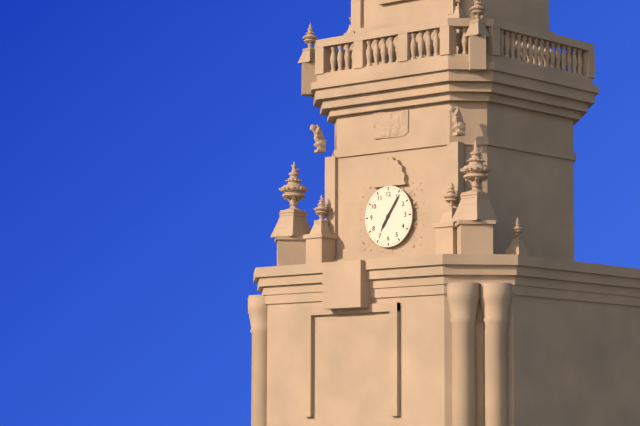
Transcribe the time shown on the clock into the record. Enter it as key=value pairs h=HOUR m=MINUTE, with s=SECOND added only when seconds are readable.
h=7 m=6
